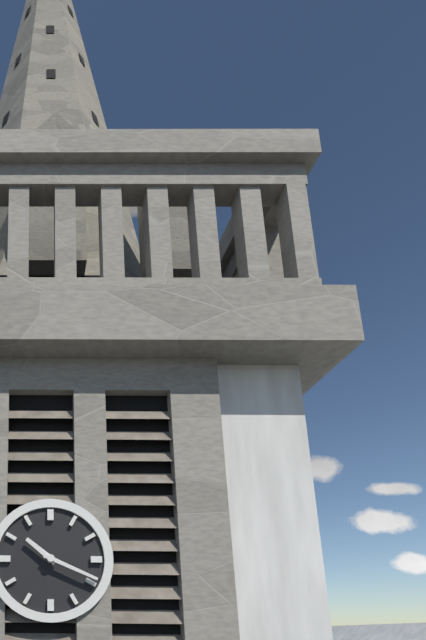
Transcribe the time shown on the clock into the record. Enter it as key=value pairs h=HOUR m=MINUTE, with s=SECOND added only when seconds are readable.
h=10 m=19
